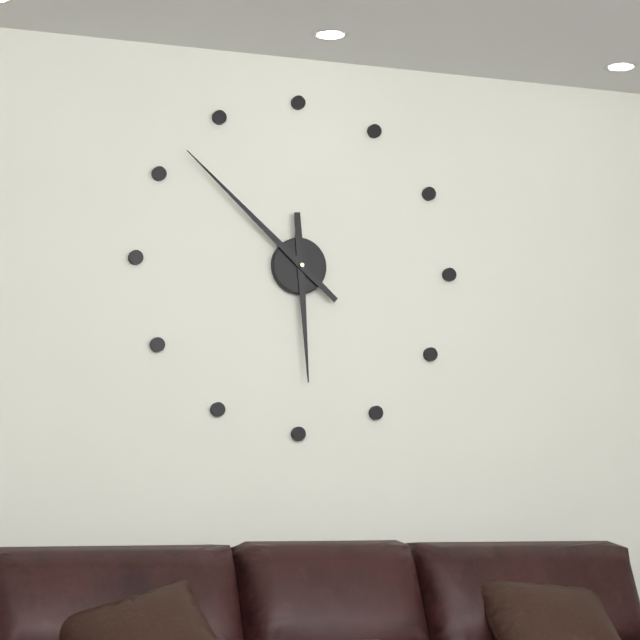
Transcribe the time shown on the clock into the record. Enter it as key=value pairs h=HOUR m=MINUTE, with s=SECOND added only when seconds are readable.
h=5 m=52
